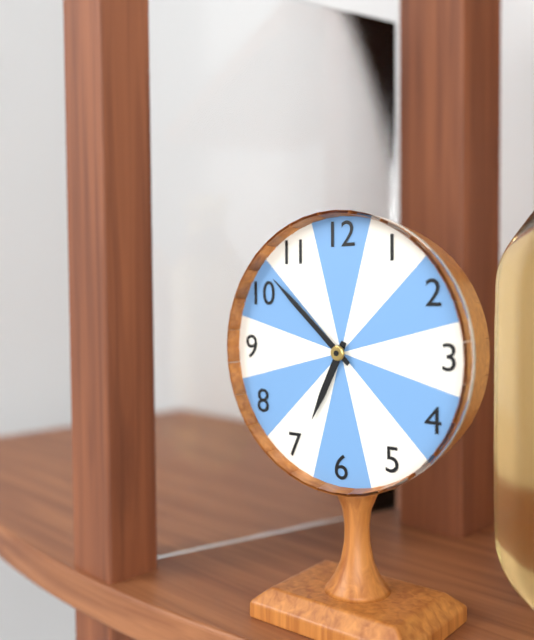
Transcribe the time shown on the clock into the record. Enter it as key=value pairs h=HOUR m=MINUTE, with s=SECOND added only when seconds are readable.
h=6 m=52
